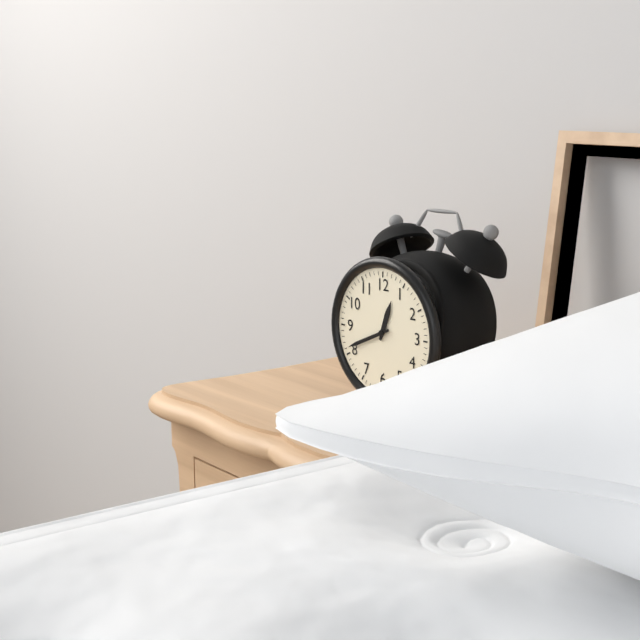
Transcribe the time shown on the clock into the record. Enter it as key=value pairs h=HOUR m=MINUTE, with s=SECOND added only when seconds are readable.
h=12 m=41
